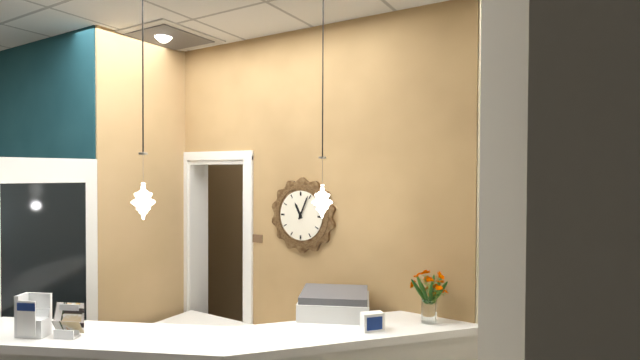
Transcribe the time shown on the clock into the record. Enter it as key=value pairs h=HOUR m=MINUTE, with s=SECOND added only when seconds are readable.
h=11 m=4
